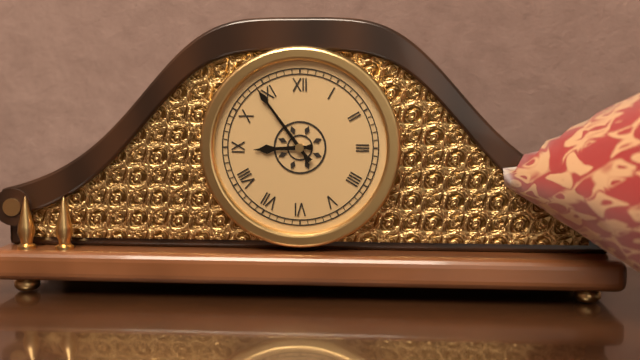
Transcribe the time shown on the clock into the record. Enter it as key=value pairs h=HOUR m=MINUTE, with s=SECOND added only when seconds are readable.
h=8 m=54
